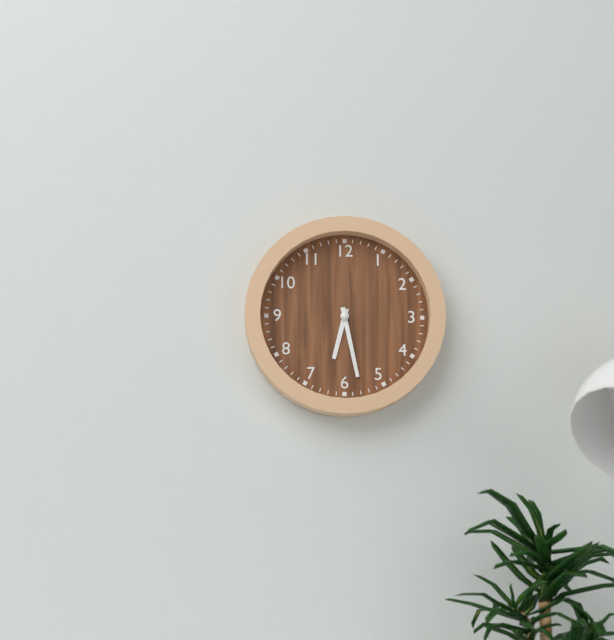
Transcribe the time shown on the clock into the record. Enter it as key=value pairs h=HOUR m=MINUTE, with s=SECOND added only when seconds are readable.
h=6 m=28
